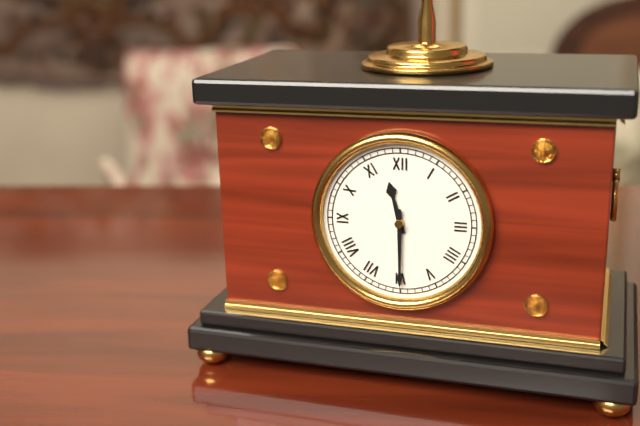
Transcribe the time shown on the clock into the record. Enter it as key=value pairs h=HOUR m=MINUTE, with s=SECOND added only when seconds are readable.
h=11 m=30
